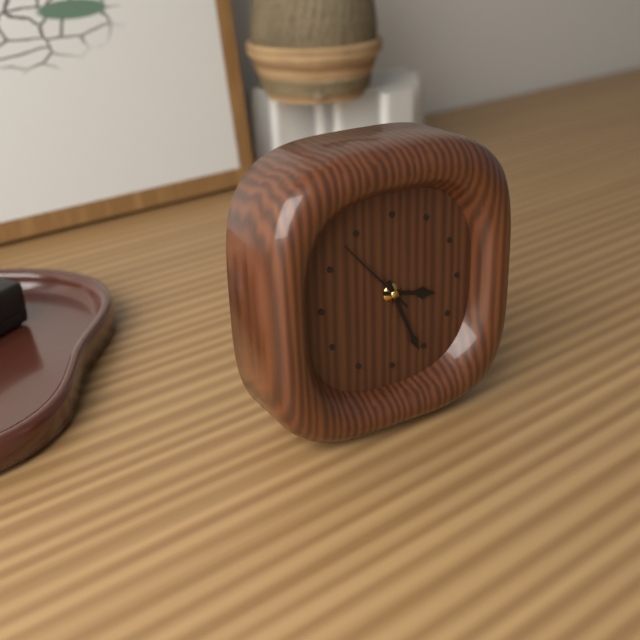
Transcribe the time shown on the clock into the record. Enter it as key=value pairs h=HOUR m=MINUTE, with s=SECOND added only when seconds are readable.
h=3 m=26 s=53
